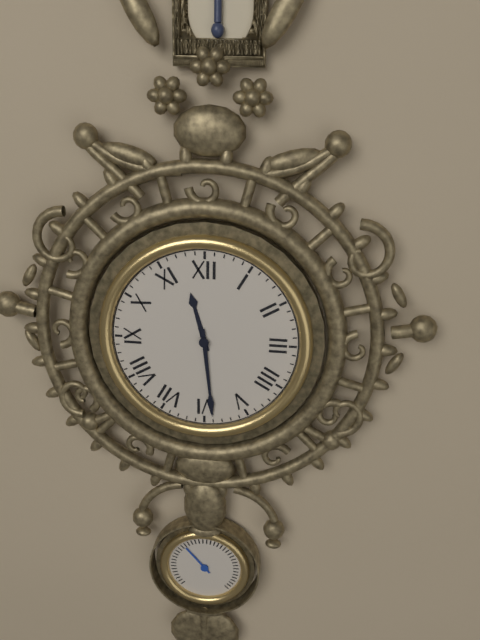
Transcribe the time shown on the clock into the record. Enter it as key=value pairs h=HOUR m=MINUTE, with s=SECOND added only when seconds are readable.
h=11 m=29
